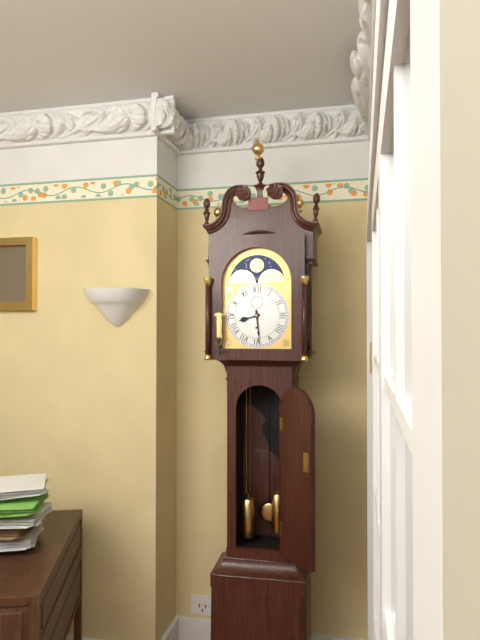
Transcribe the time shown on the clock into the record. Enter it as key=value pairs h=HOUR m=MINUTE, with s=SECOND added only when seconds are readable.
h=8 m=29
